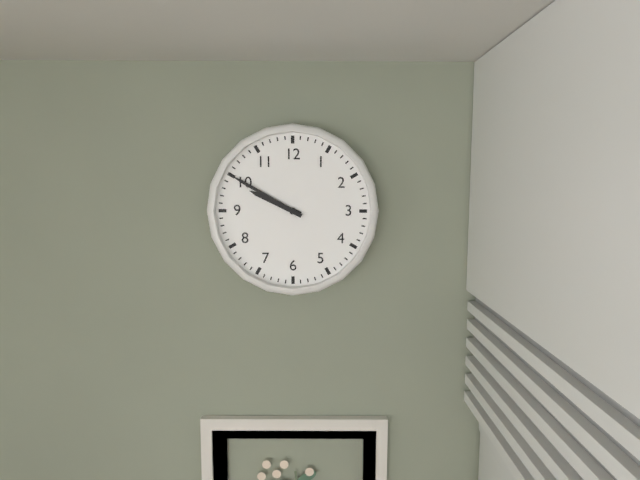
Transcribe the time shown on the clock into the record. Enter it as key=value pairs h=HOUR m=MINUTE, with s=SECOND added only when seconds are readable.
h=9 m=50
